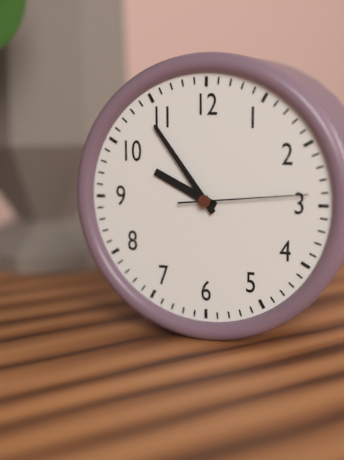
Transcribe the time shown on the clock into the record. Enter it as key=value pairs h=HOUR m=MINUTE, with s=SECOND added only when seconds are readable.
h=9 m=54 s=14
